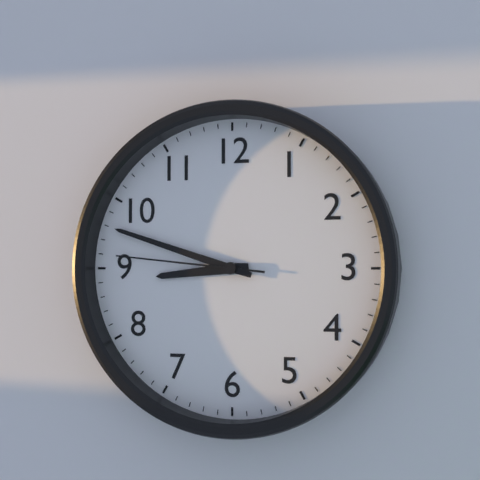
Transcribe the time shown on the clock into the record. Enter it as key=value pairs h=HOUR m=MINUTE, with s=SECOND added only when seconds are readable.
h=8 m=48 s=46
